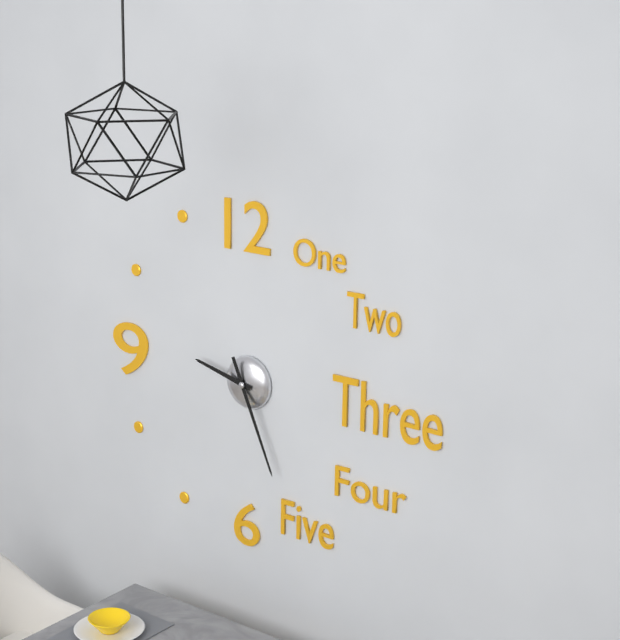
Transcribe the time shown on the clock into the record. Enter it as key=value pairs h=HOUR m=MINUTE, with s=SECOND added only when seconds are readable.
h=9 m=26
